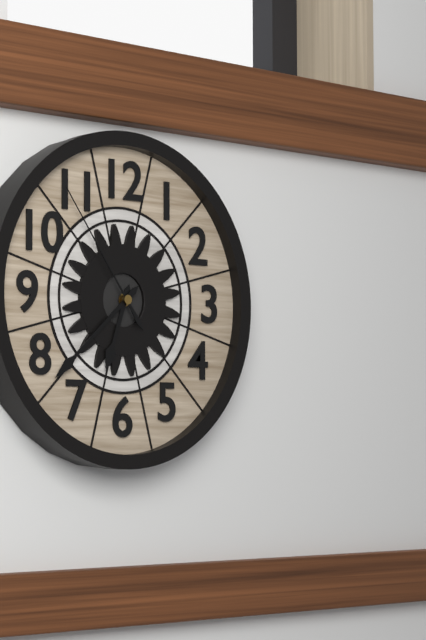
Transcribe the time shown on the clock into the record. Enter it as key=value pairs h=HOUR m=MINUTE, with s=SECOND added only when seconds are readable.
h=6 m=38 s=54
